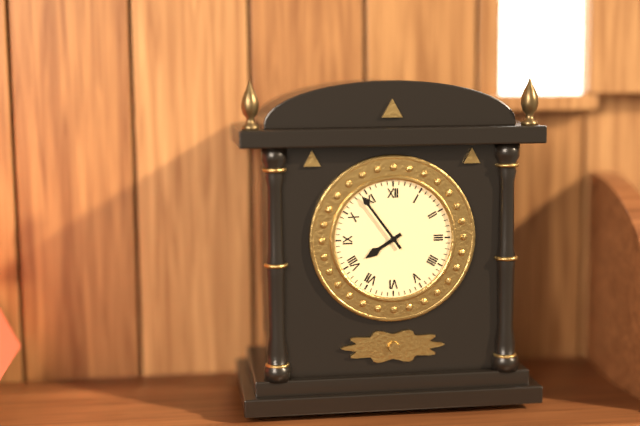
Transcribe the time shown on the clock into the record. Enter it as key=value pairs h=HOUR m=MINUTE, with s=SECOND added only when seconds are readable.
h=7 m=54
